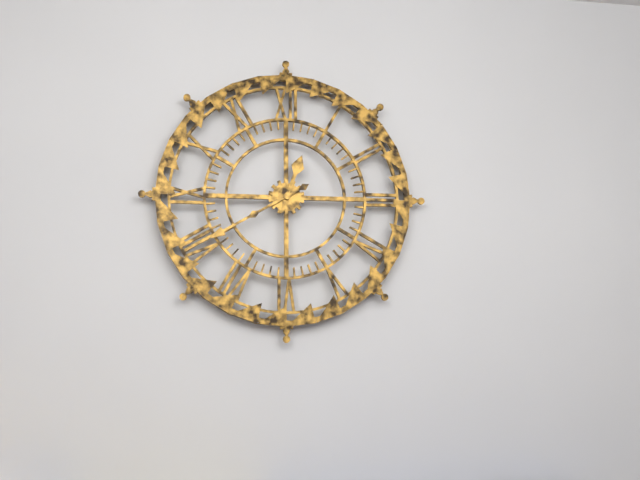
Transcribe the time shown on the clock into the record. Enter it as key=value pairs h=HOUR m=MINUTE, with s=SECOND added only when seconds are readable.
h=12 m=40
